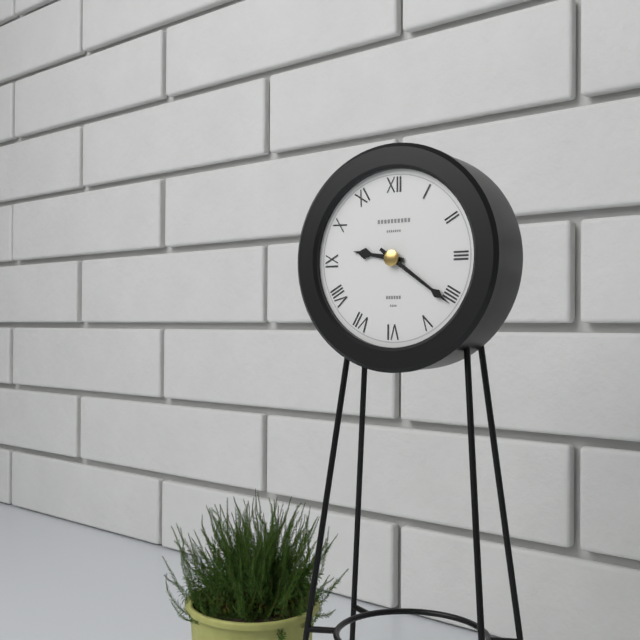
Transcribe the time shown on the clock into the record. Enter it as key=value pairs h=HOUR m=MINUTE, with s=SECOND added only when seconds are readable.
h=9 m=21
